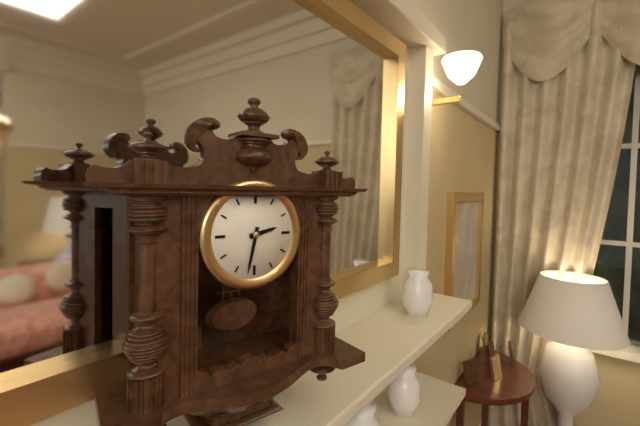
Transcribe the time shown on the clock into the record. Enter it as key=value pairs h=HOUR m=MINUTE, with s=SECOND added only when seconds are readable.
h=2 m=32
